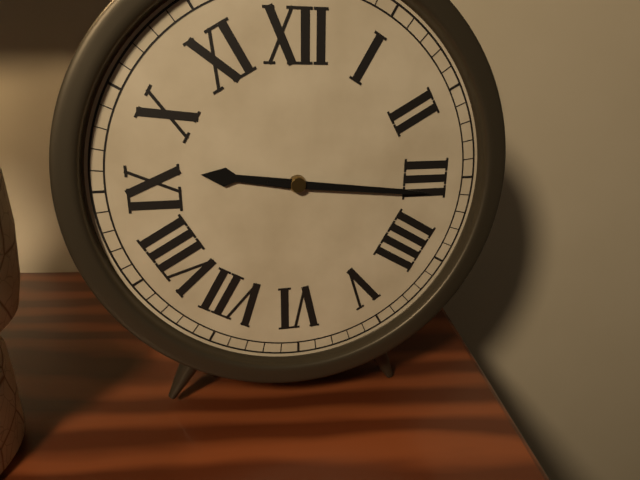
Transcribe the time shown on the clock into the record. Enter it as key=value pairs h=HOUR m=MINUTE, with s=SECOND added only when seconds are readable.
h=9 m=16
